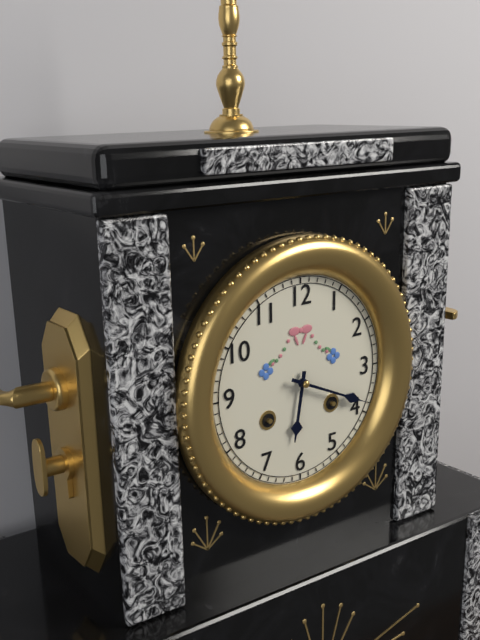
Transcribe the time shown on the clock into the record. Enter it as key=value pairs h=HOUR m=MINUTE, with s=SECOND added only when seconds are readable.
h=6 m=19
